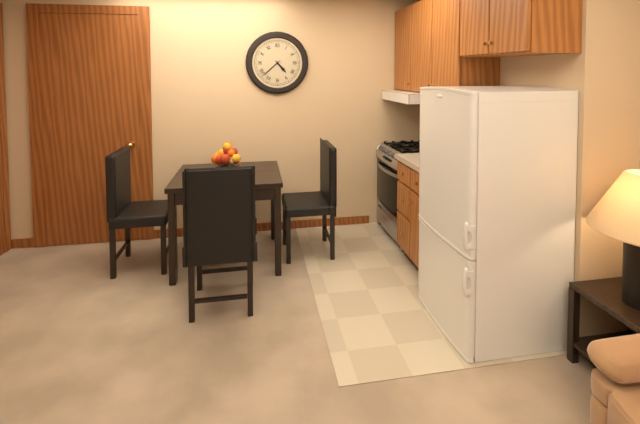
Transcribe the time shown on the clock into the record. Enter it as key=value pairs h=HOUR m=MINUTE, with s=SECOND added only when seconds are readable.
h=4 m=38
